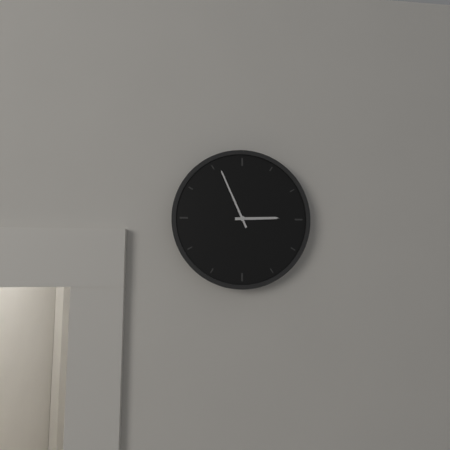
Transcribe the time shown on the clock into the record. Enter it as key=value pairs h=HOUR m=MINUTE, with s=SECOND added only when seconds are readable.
h=2 m=56
